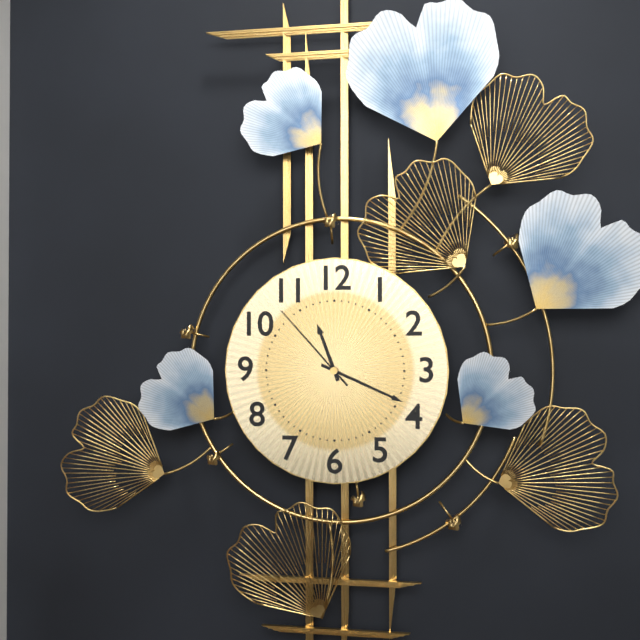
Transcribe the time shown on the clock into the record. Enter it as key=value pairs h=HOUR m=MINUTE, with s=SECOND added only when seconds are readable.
h=11 m=19 s=53
